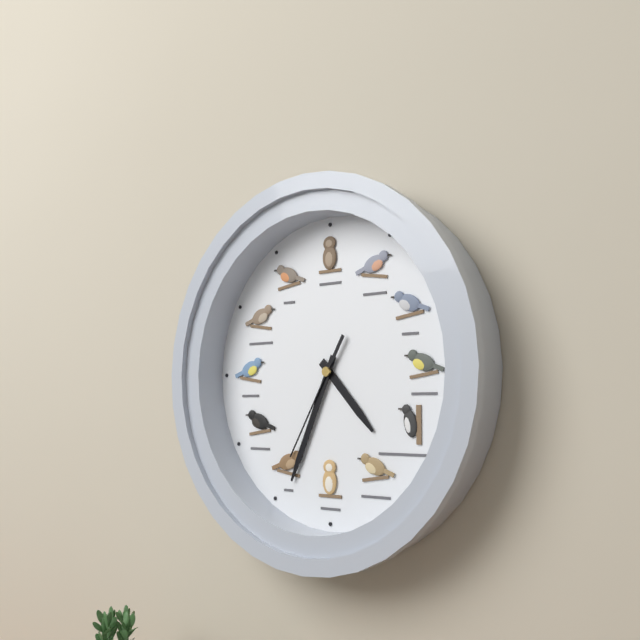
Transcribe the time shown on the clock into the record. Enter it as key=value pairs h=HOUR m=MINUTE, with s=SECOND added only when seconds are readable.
h=4 m=34 s=35
